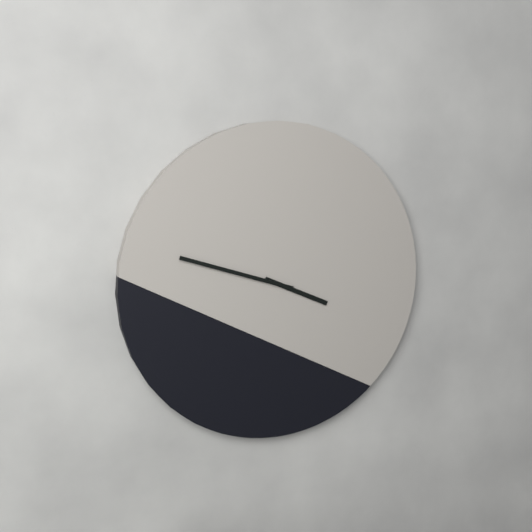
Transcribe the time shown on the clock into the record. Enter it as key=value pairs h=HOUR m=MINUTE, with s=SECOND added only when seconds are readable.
h=3 m=48
